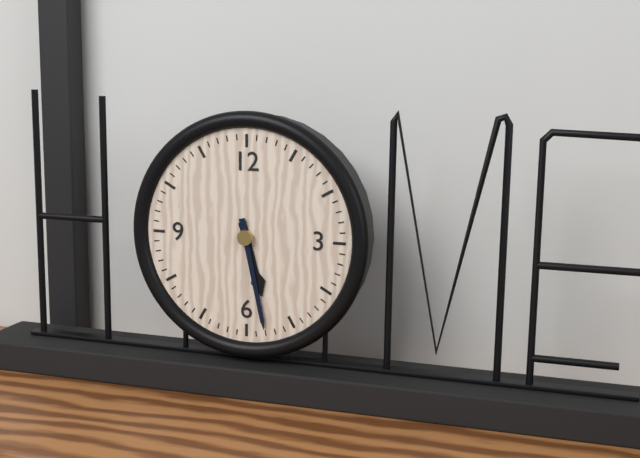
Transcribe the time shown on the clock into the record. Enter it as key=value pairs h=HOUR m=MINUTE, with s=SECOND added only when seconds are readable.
h=5 m=28
